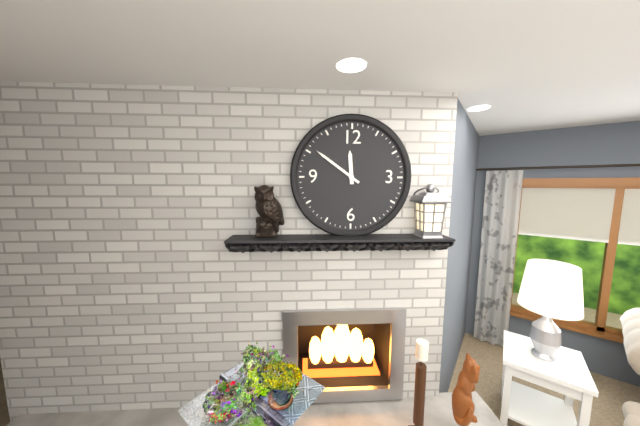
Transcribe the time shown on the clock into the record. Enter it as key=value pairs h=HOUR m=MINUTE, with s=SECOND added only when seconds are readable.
h=11 m=51
